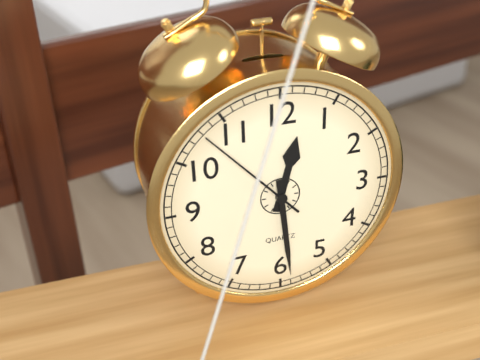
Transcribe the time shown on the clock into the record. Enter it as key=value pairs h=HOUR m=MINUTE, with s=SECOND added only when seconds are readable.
h=12 m=29 s=53
